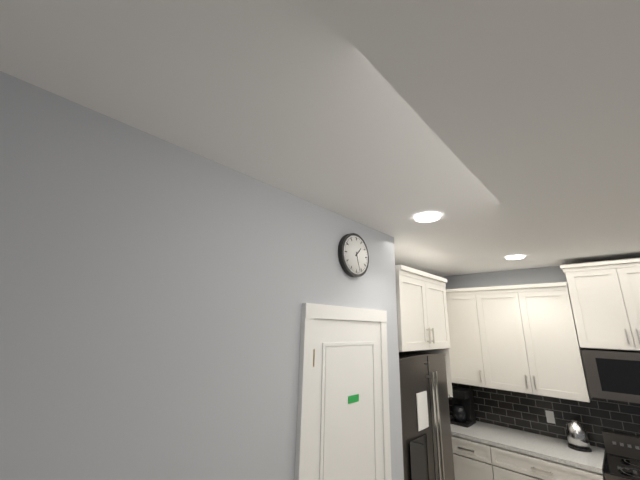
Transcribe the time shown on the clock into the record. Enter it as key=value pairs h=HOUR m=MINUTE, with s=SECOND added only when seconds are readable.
h=1 m=27
